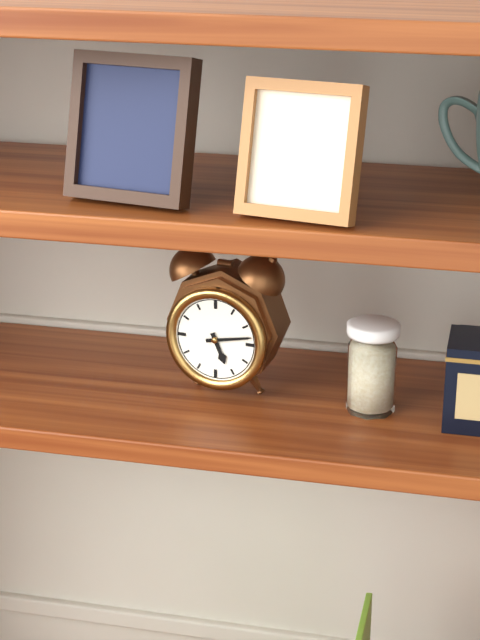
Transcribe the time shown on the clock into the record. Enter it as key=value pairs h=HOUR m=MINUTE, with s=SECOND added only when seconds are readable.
h=5 m=13
